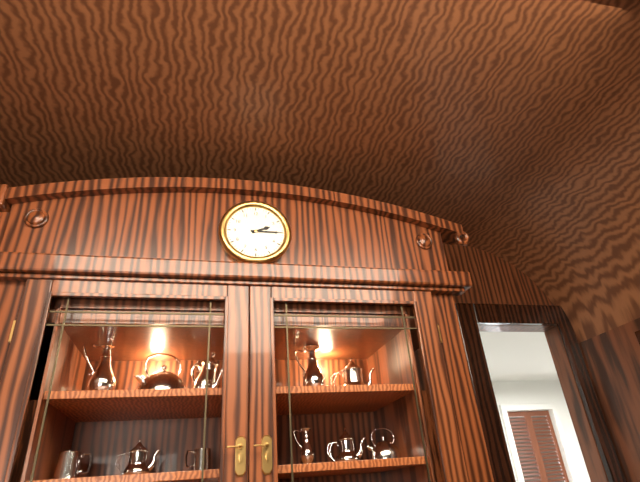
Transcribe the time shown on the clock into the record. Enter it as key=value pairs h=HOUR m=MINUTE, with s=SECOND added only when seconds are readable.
h=2 m=15
